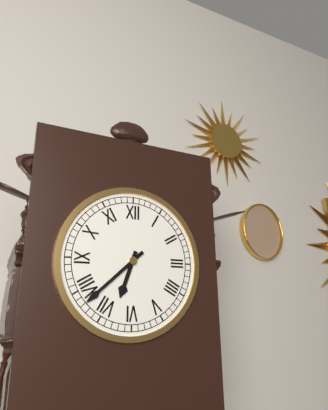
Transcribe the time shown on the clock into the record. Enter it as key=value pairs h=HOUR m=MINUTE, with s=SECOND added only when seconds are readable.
h=6 m=38
